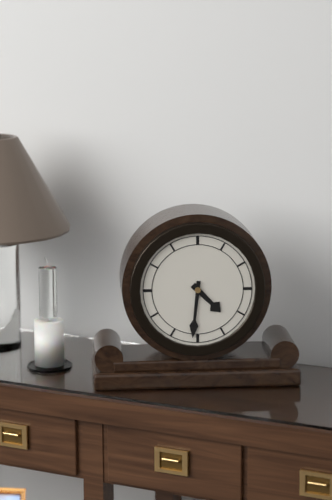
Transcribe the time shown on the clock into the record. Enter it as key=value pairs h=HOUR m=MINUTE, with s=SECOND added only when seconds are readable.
h=4 m=31
